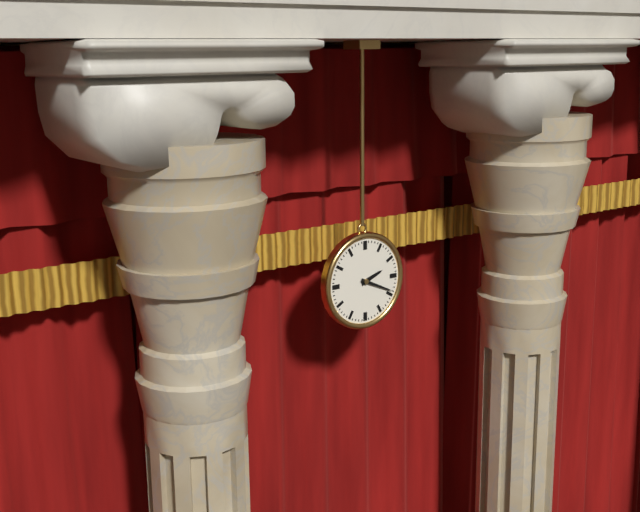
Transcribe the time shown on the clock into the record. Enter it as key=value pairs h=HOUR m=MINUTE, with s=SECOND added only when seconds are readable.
h=2 m=19
